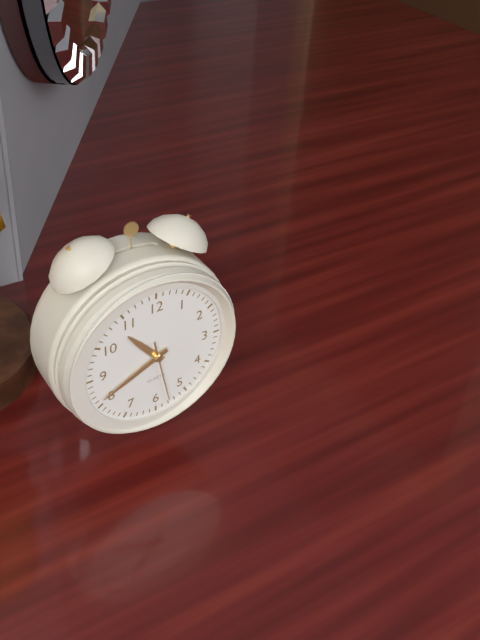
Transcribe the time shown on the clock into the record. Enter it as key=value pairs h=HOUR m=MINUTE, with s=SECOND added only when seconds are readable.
h=10 m=41 s=28
